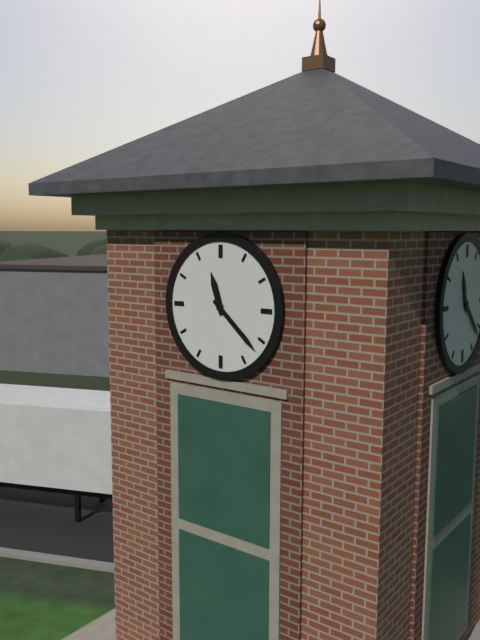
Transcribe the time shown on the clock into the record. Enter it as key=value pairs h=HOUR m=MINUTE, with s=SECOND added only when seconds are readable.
h=11 m=22
